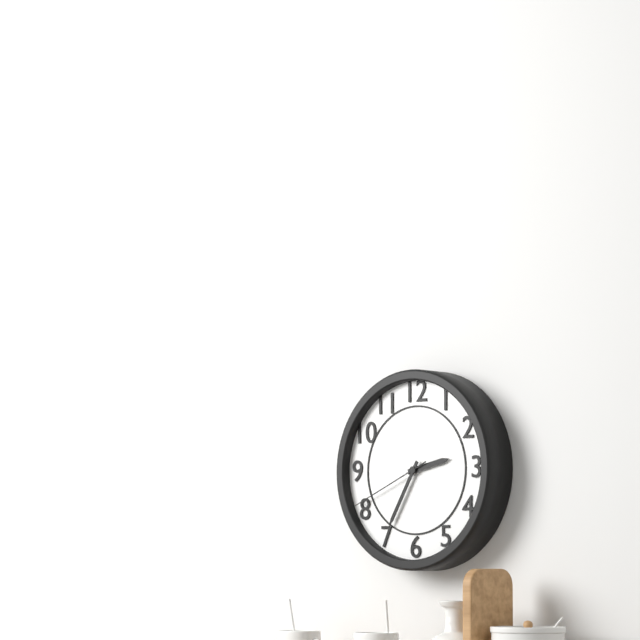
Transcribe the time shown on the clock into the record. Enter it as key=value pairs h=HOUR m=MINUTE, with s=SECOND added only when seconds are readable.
h=2 m=35 s=41
